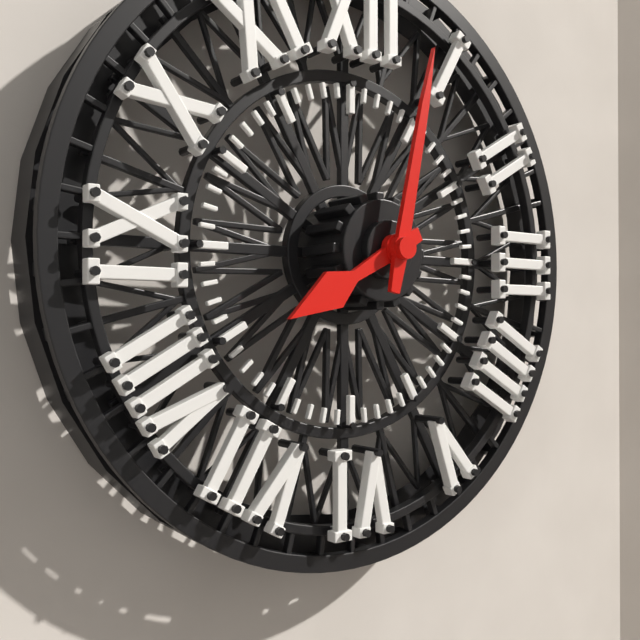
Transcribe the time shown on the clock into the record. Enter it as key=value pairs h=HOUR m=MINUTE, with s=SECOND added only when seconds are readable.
h=8 m=2
